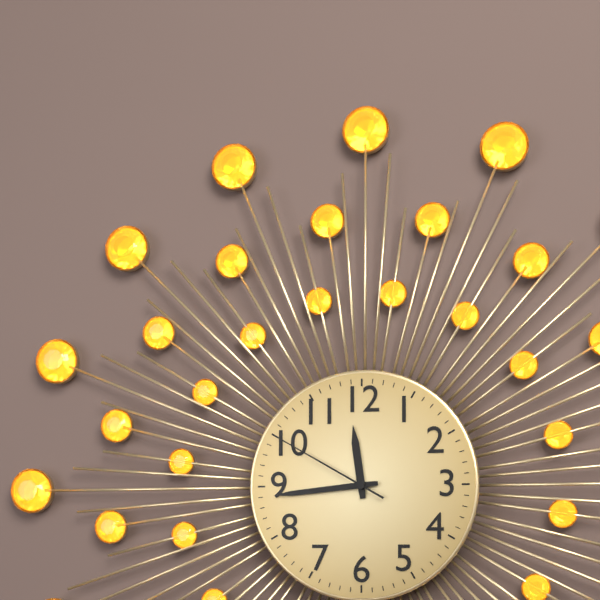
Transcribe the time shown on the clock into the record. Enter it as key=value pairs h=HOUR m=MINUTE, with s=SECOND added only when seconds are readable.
h=11 m=44 s=50
